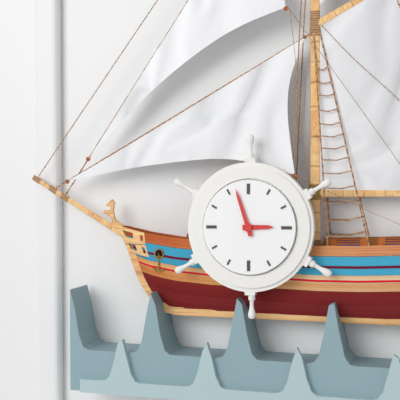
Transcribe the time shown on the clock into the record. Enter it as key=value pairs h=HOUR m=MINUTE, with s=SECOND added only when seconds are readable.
h=2 m=57
